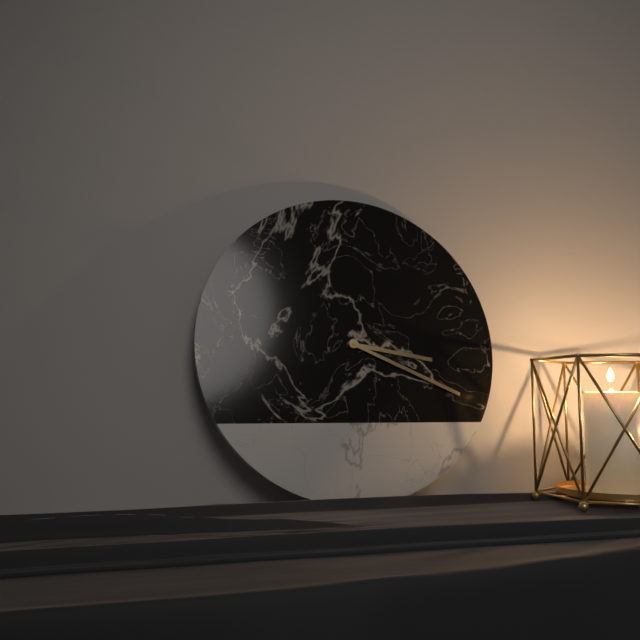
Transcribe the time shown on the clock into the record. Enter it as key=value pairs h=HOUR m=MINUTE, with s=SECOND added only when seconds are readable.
h=3 m=19
